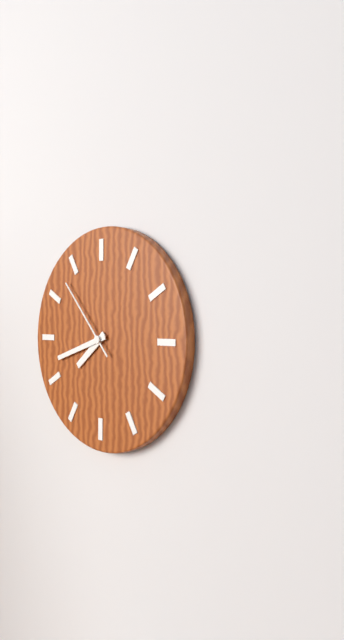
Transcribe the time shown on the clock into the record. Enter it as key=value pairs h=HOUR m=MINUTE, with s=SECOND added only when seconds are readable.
h=7 m=42 s=53
